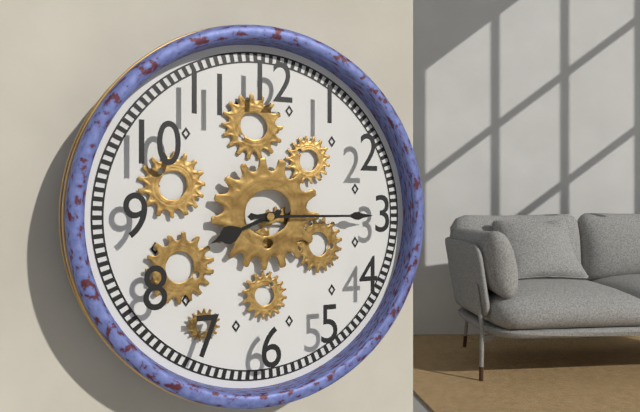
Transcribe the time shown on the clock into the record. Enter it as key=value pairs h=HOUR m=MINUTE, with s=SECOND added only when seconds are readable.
h=8 m=15
